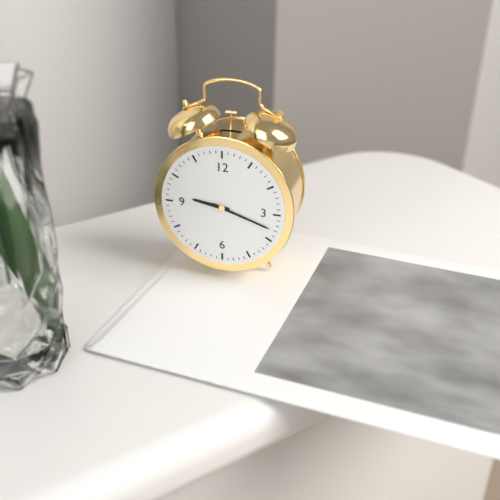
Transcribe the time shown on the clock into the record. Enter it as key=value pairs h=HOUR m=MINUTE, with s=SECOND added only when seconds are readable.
h=9 m=18
